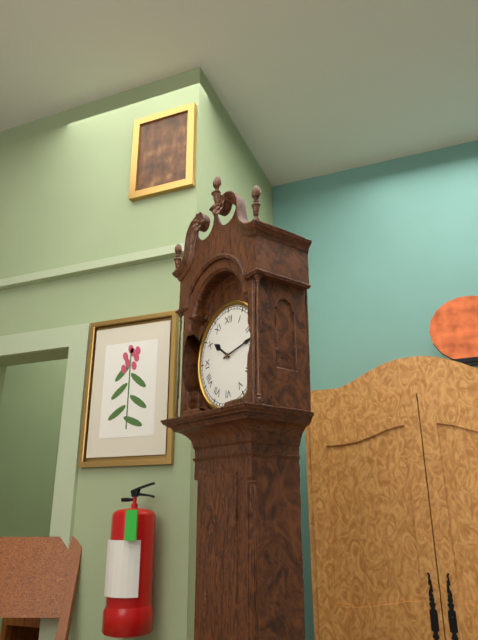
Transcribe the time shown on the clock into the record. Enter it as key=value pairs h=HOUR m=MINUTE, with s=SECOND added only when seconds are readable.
h=10 m=13
